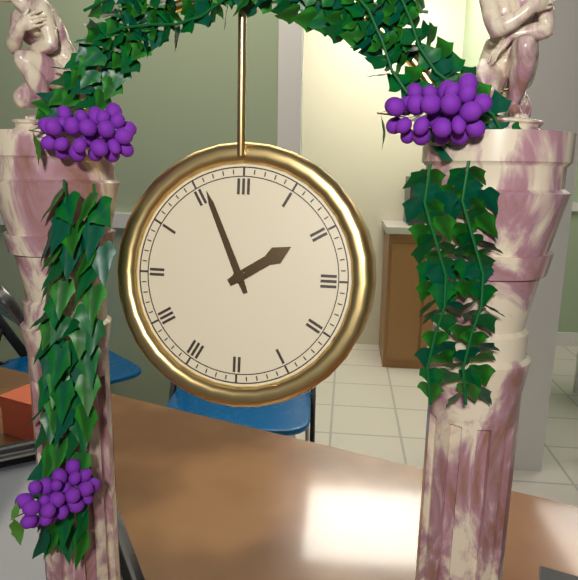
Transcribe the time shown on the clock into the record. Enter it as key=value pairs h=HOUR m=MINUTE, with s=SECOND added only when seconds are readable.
h=1 m=56
